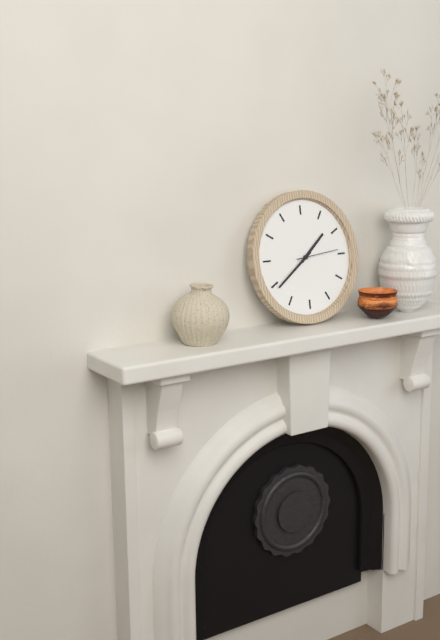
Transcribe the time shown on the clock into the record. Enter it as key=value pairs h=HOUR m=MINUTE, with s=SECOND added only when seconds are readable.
h=1 m=39
